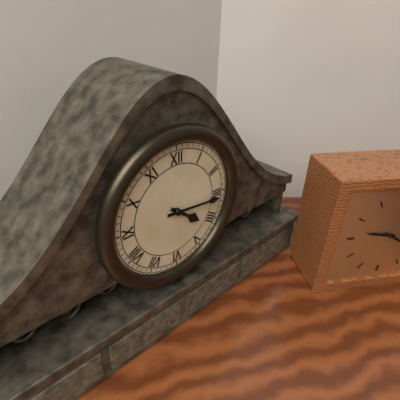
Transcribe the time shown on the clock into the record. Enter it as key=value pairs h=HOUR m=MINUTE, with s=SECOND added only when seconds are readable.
h=4 m=16
